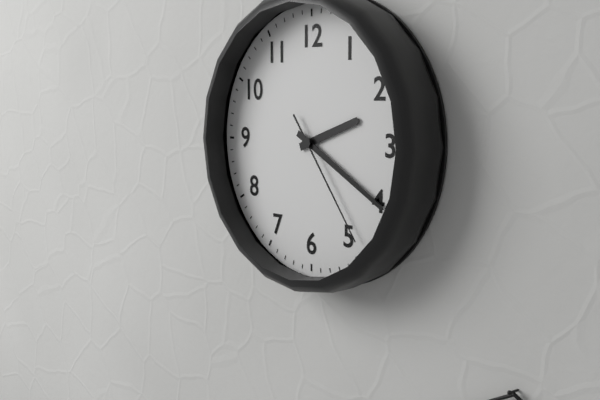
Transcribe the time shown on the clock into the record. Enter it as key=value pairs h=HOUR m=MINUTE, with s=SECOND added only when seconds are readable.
h=2 m=20 s=24
